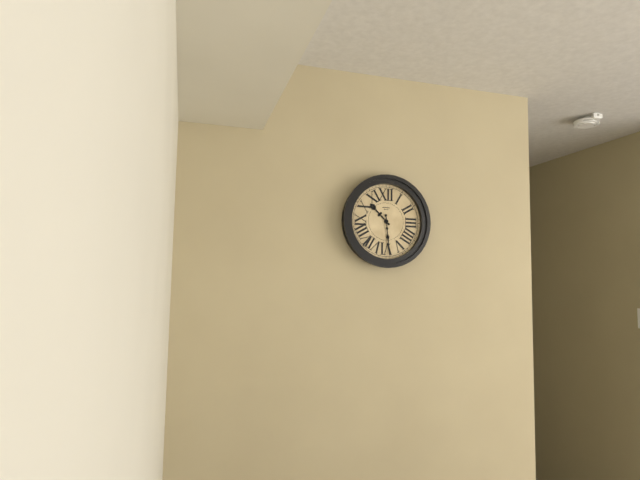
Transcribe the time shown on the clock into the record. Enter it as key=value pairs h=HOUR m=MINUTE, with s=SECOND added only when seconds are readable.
h=10 m=29
